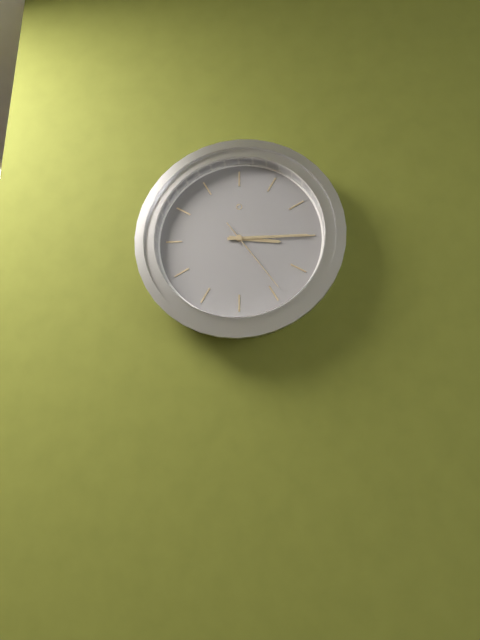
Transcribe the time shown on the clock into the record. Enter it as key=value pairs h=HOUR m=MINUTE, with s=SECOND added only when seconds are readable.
h=3 m=15 s=24
